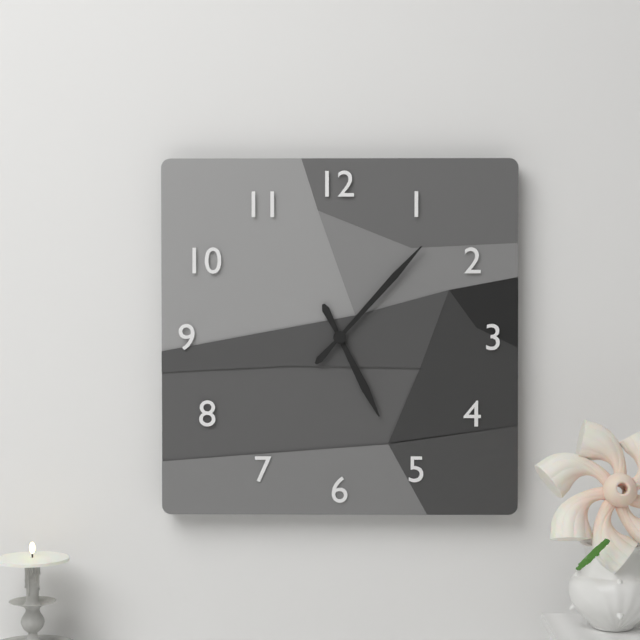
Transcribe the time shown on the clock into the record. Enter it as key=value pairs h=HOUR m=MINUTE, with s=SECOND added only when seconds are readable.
h=5 m=7
